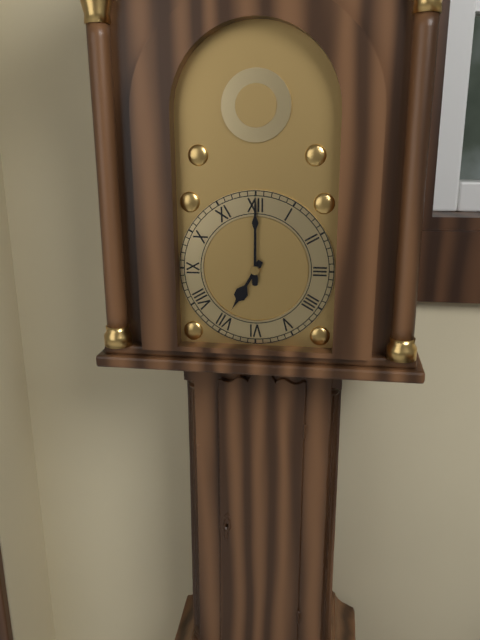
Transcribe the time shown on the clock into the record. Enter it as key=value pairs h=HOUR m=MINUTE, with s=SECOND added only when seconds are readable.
h=7 m=0
